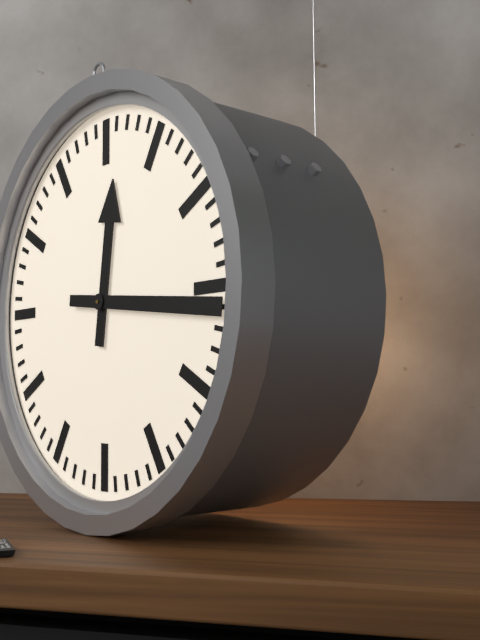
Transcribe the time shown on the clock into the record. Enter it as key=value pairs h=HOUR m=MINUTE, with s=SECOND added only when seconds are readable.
h=12 m=16
